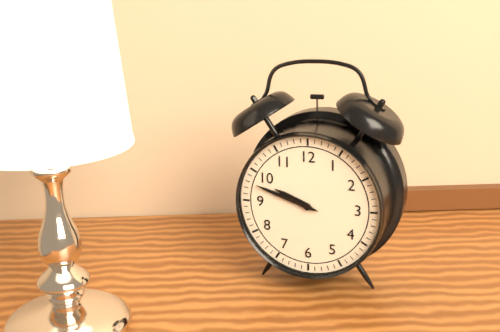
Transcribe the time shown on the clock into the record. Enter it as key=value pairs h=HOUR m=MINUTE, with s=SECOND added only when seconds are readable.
h=9 m=48
